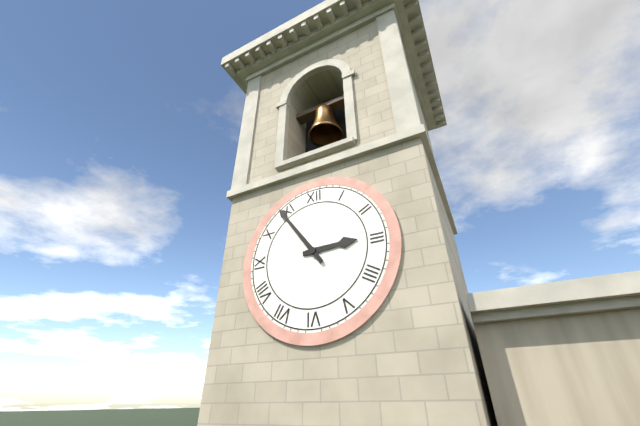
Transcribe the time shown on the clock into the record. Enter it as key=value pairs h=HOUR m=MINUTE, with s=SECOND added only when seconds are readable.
h=2 m=54
